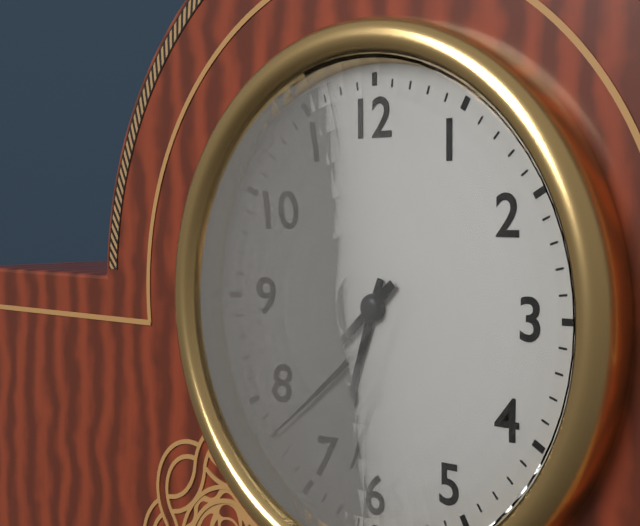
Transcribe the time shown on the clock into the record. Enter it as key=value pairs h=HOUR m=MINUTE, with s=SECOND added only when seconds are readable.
h=6 m=38
